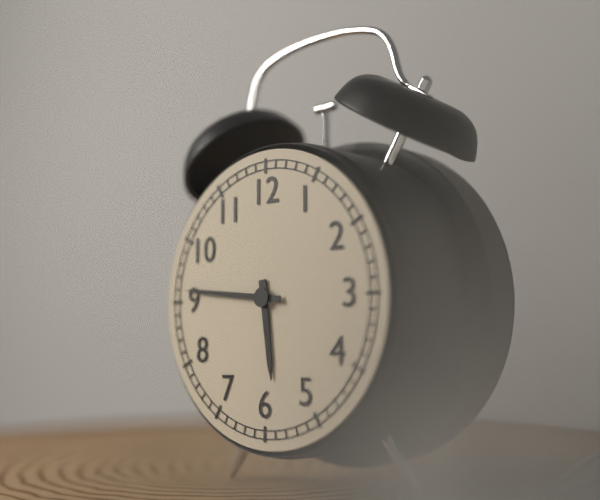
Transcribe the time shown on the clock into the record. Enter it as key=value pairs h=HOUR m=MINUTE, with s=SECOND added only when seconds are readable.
h=5 m=46
